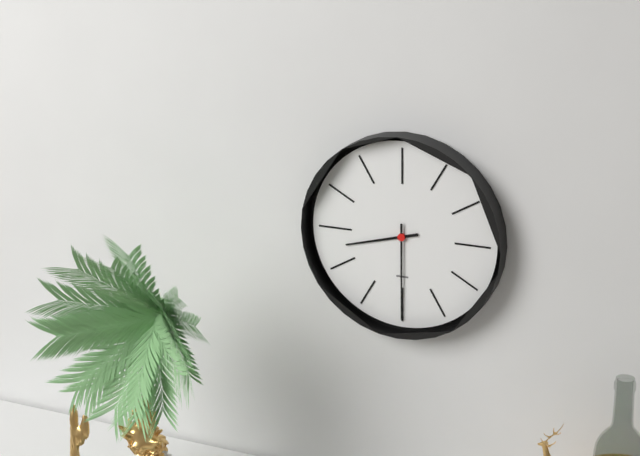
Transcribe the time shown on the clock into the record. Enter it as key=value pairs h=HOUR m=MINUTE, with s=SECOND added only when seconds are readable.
h=8 m=30
